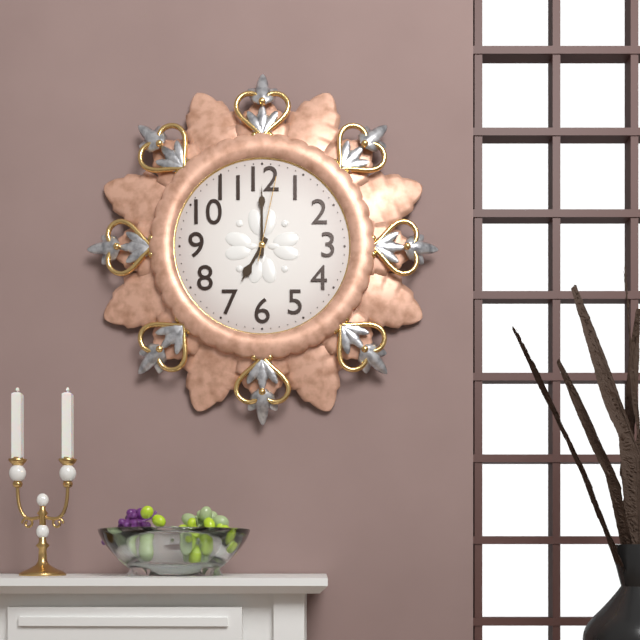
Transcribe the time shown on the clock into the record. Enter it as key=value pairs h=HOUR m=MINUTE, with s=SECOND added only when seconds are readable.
h=7 m=0 s=2
